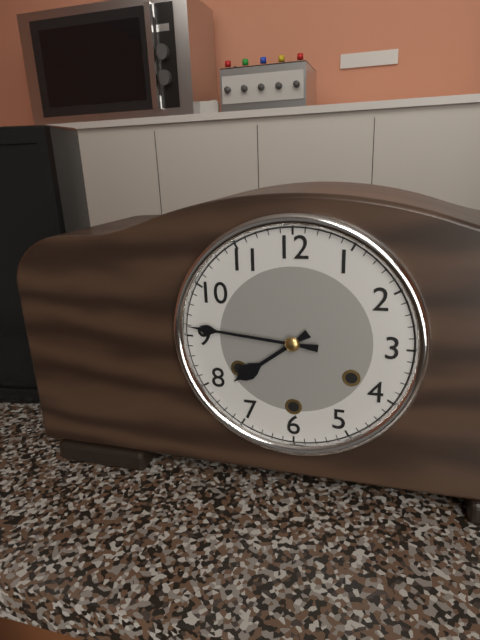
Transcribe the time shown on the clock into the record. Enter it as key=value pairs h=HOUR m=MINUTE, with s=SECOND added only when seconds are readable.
h=7 m=46
